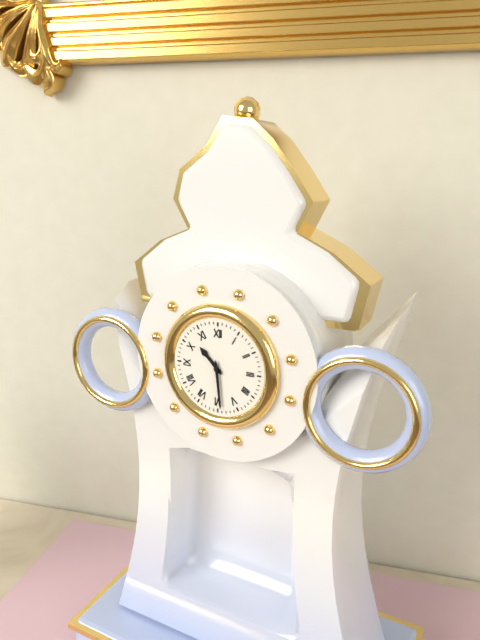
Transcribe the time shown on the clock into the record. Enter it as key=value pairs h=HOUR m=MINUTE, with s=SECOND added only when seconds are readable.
h=10 m=29
